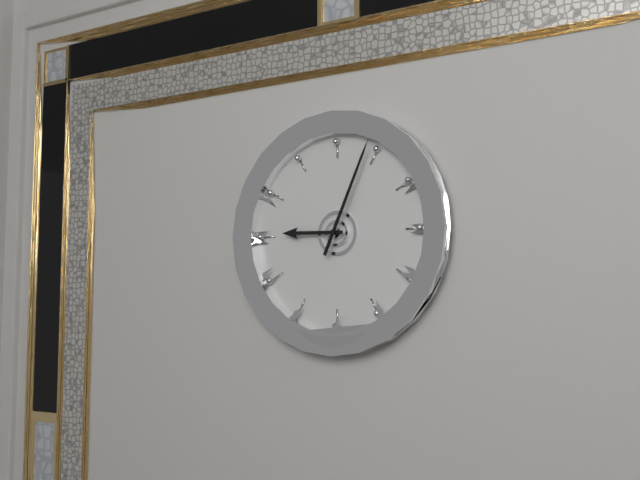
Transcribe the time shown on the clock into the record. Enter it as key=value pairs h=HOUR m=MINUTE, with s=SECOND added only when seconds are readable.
h=9 m=4
